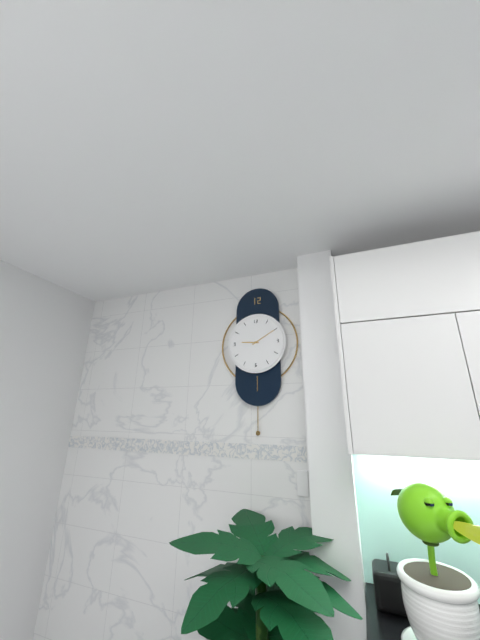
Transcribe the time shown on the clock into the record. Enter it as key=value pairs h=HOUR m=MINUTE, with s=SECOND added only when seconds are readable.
h=9 m=10
